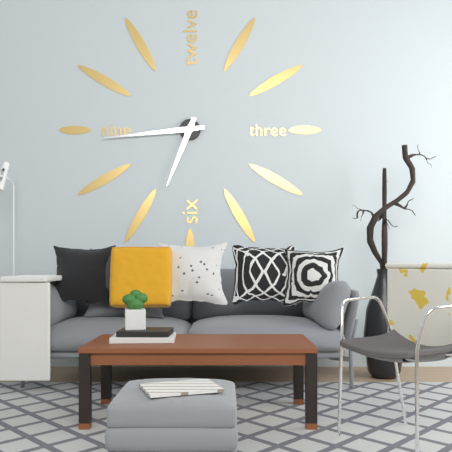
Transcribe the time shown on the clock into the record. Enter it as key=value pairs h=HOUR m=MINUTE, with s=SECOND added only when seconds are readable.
h=6 m=44
